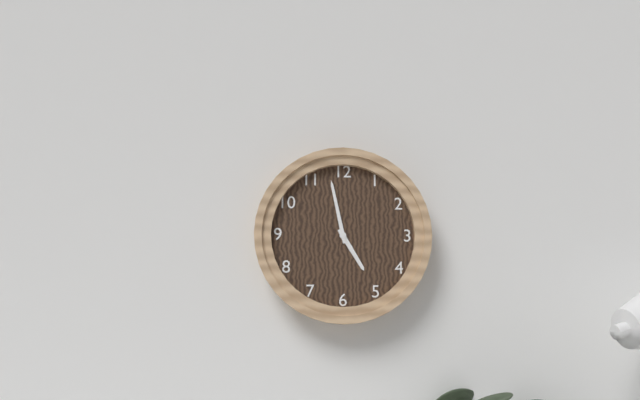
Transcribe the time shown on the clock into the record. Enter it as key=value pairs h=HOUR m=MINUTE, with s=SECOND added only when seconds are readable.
h=4 m=58
